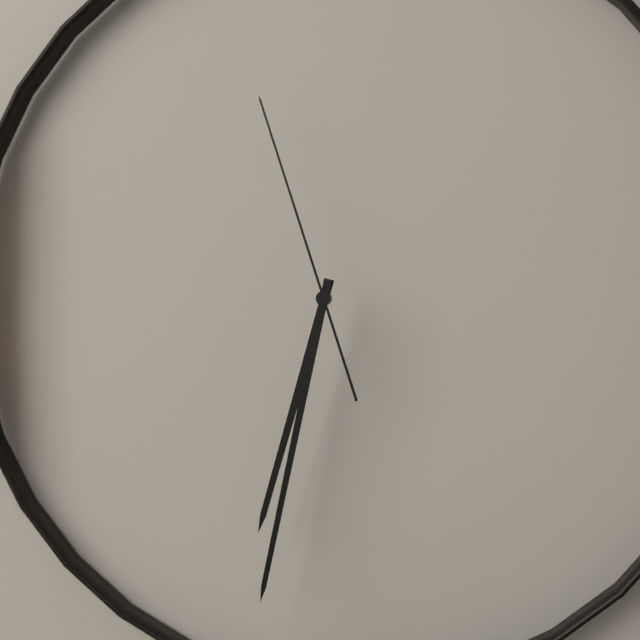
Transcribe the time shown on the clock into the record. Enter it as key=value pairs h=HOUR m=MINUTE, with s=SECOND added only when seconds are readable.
h=6 m=32 s=57
